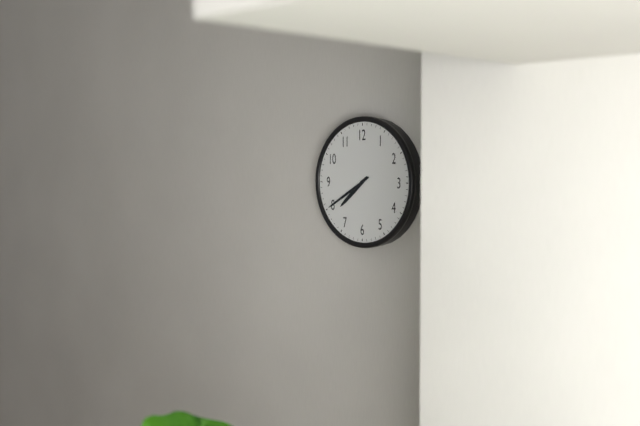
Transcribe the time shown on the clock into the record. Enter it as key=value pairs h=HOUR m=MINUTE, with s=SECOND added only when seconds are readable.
h=7 m=40
